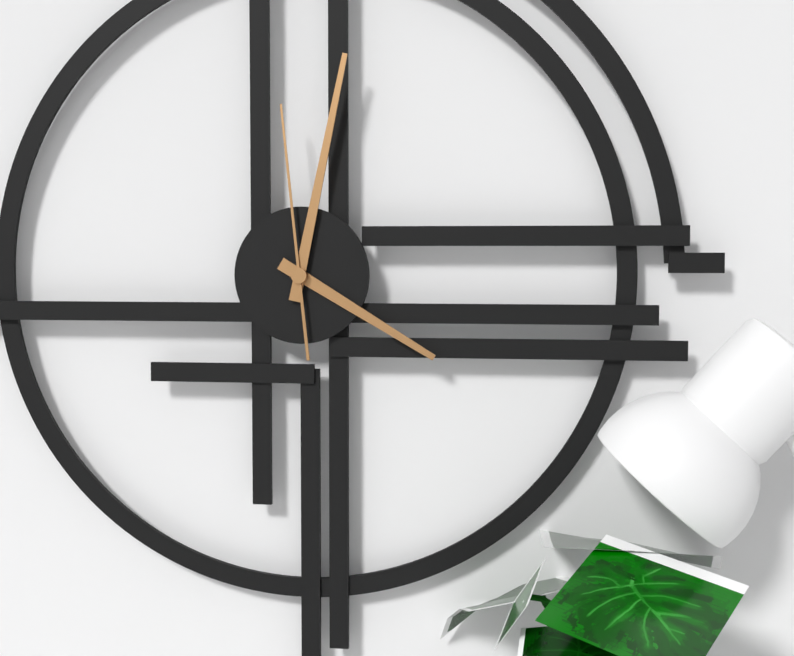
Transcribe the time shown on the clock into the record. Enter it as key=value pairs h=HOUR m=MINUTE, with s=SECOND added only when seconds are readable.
h=4 m=2 s=59
